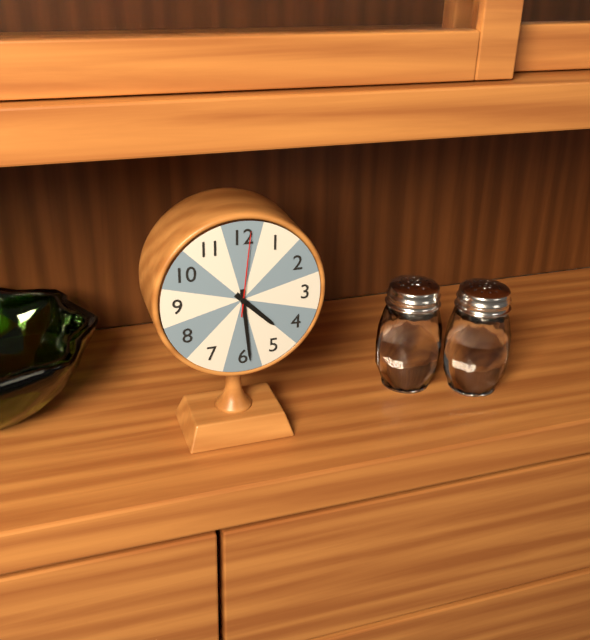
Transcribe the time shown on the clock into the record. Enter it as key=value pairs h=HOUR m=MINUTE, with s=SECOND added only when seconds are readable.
h=4 m=29 s=1
